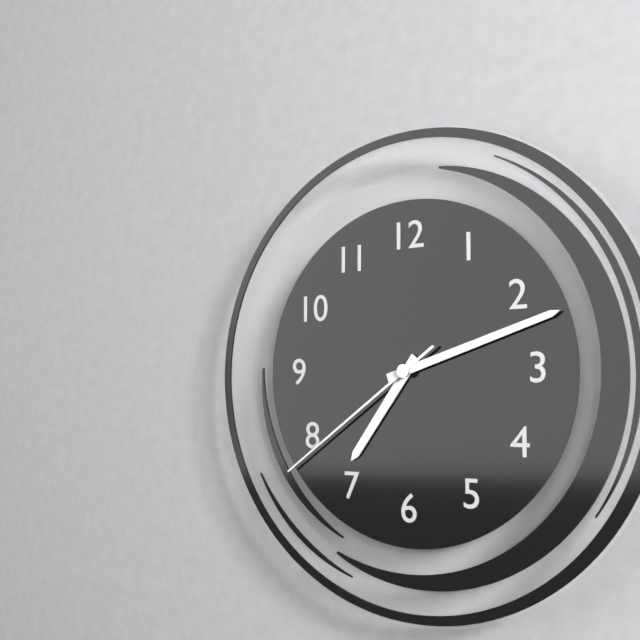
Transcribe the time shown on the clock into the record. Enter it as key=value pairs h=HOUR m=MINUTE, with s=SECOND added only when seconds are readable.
h=7 m=12 s=39
